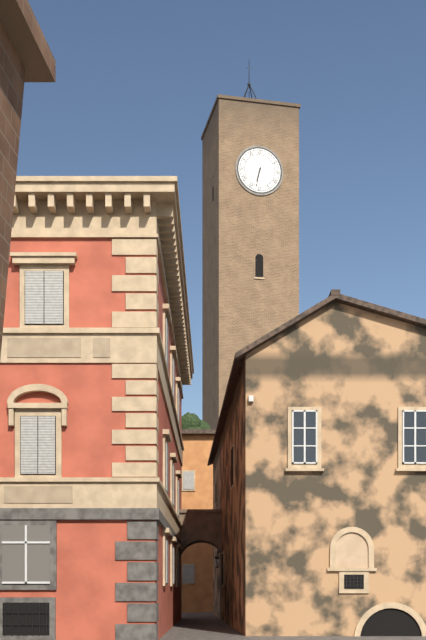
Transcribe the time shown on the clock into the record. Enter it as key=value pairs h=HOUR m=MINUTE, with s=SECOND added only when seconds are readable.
h=6 m=32
